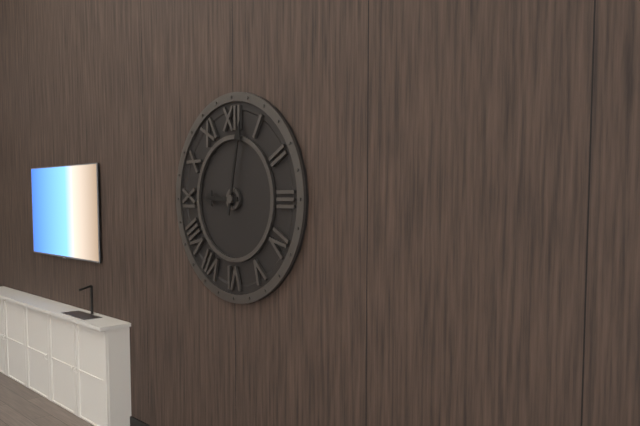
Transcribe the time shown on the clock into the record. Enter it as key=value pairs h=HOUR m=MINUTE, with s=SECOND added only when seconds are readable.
h=9 m=2
